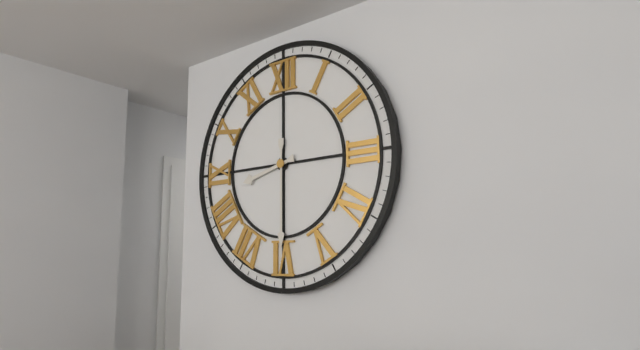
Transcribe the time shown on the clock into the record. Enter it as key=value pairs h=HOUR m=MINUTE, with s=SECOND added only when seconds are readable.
h=8 m=30
